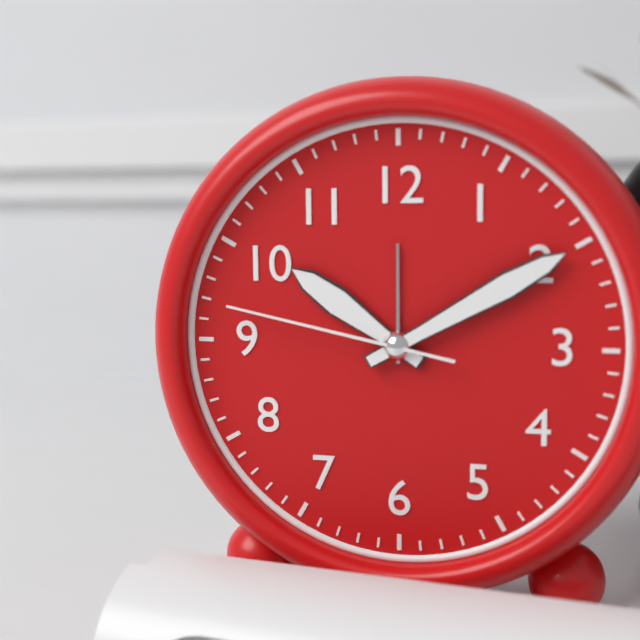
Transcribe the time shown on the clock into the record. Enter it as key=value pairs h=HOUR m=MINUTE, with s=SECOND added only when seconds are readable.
h=10 m=10 s=47
